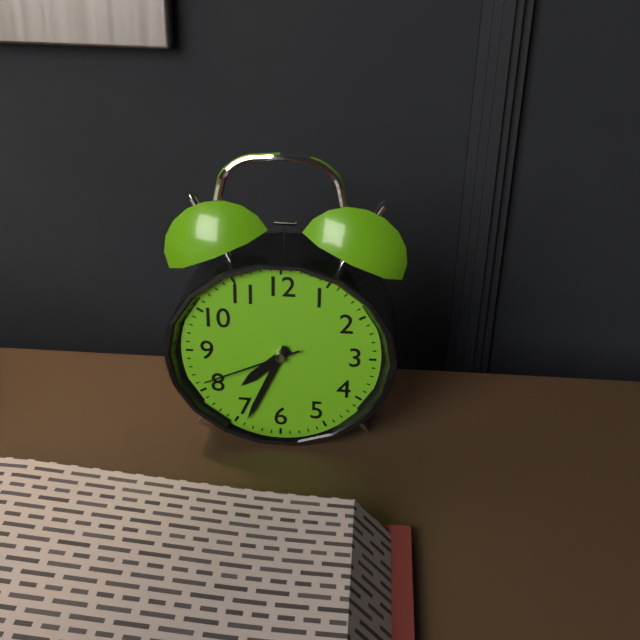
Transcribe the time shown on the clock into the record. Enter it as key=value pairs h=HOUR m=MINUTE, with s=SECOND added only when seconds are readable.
h=7 m=34 s=41
